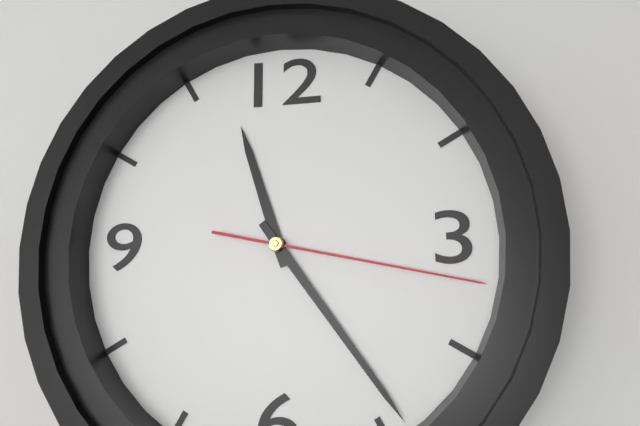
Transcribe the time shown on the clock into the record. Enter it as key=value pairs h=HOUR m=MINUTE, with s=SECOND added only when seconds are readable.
h=11 m=24 s=17
